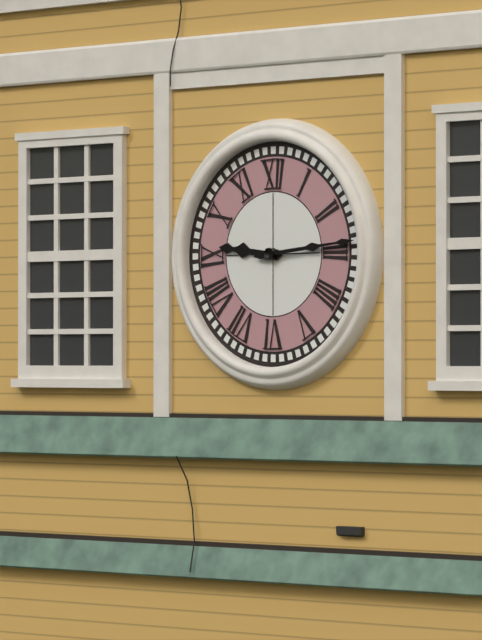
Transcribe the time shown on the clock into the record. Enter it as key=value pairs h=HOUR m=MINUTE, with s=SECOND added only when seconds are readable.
h=9 m=14
